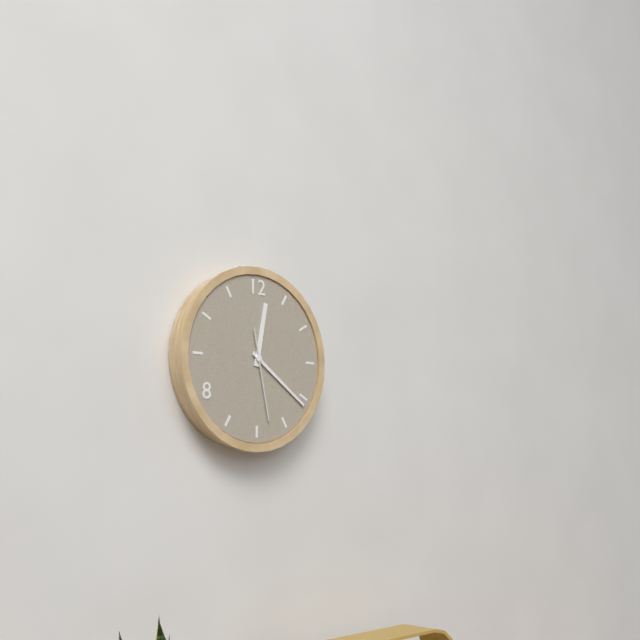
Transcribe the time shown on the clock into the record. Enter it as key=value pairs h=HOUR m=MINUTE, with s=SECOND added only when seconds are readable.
h=12 m=21 s=28
